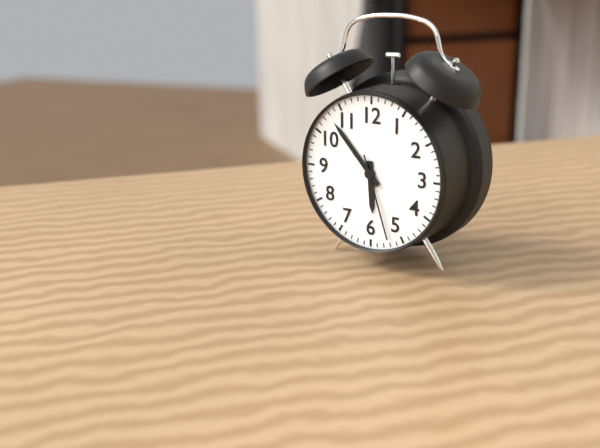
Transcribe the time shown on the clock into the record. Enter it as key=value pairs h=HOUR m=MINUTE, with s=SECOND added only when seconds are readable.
h=5 m=53 s=27
